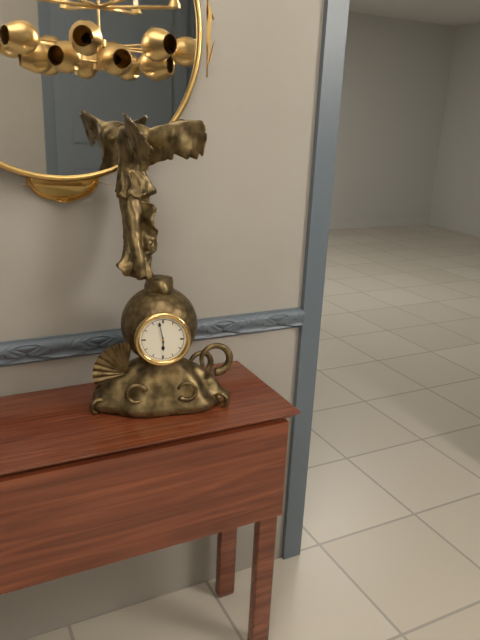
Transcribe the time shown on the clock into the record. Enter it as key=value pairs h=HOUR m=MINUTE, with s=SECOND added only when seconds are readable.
h=5 m=58
